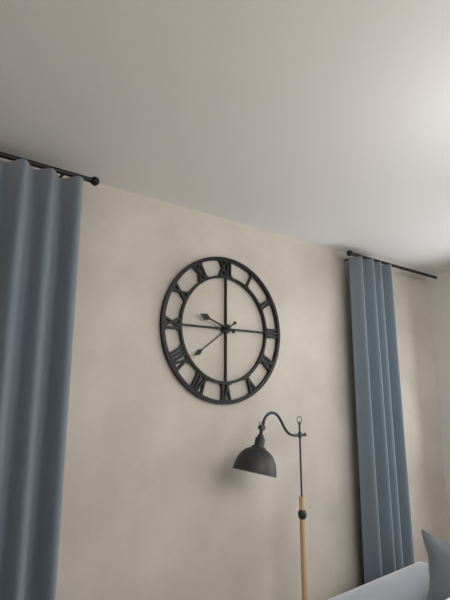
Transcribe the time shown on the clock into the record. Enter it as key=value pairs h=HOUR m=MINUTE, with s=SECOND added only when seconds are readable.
h=9 m=39
